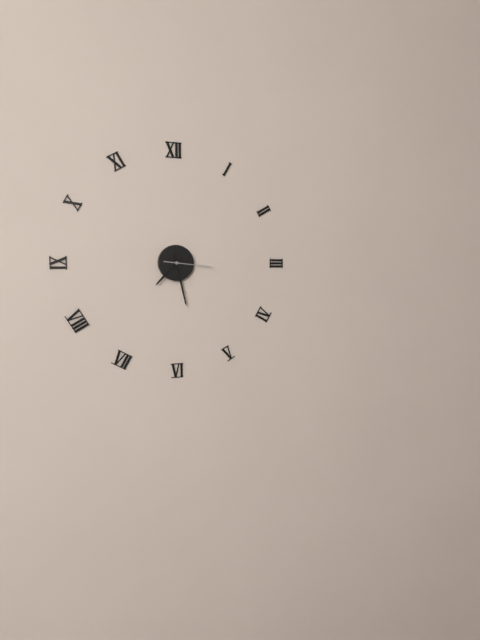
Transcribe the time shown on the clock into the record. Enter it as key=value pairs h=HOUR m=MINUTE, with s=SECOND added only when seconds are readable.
h=7 m=28
